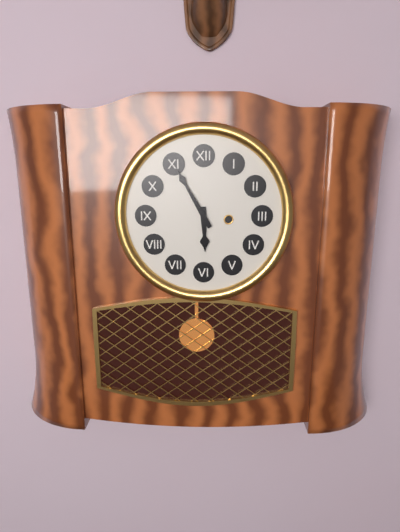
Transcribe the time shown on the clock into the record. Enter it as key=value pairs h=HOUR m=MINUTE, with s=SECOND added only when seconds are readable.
h=5 m=55
